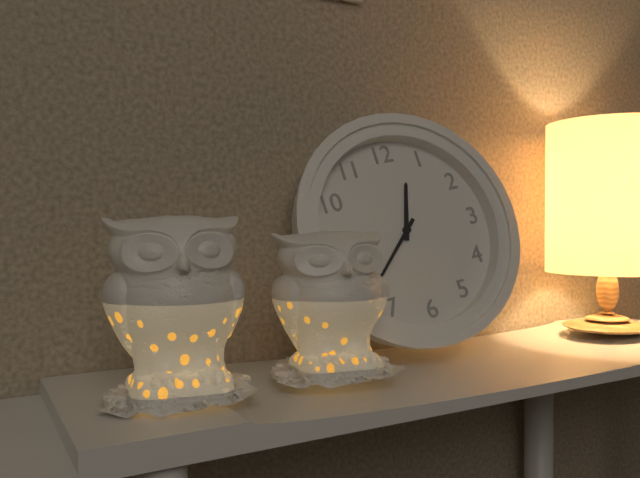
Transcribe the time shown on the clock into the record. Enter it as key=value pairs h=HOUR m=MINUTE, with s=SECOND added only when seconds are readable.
h=12 m=38
